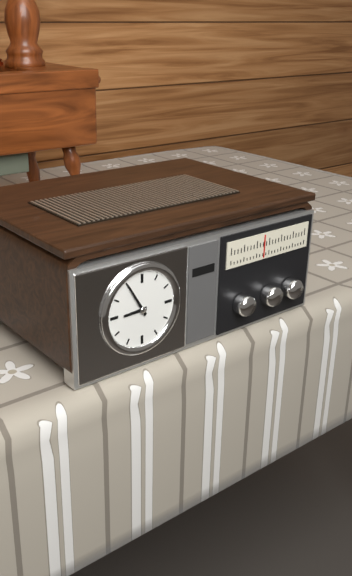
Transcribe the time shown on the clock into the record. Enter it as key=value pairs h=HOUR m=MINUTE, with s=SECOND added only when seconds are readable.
h=8 m=55
